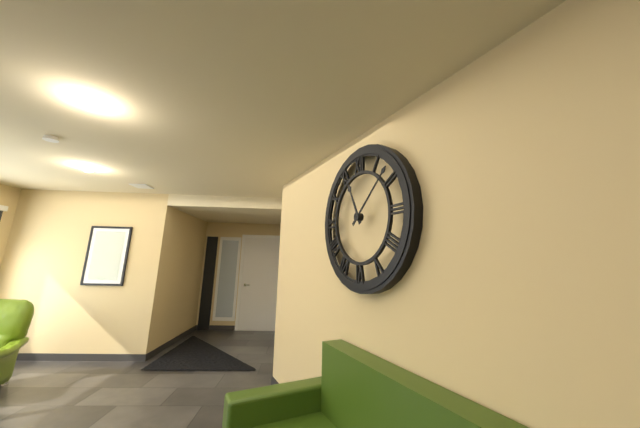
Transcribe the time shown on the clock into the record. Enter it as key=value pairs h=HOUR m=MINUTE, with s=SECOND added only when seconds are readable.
h=11 m=8
